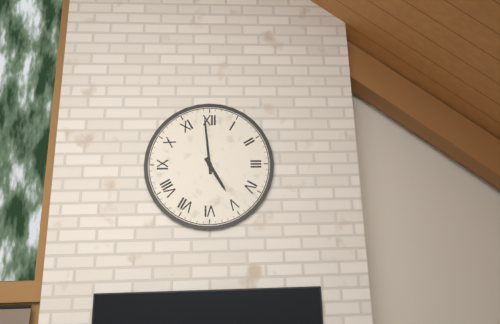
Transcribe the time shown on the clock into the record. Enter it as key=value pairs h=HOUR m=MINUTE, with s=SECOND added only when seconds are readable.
h=4 m=59
